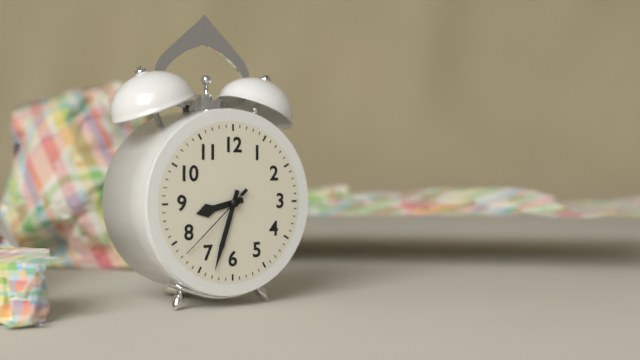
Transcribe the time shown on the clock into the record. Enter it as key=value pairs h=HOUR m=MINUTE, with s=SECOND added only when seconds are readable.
h=8 m=33 s=38
